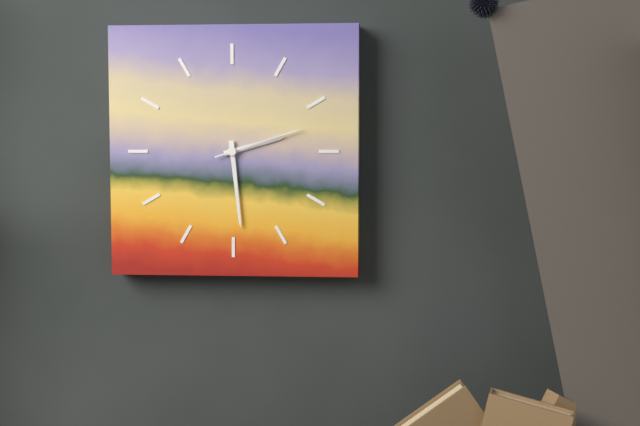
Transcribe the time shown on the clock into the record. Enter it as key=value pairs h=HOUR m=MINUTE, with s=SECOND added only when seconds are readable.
h=2 m=29 s=12
